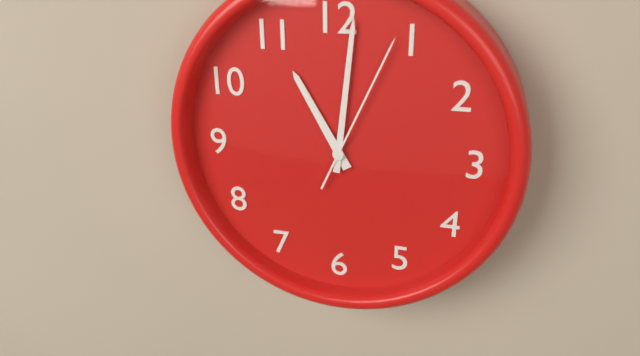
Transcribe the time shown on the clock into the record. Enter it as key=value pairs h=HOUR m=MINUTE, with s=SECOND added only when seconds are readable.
h=11 m=1 s=4
